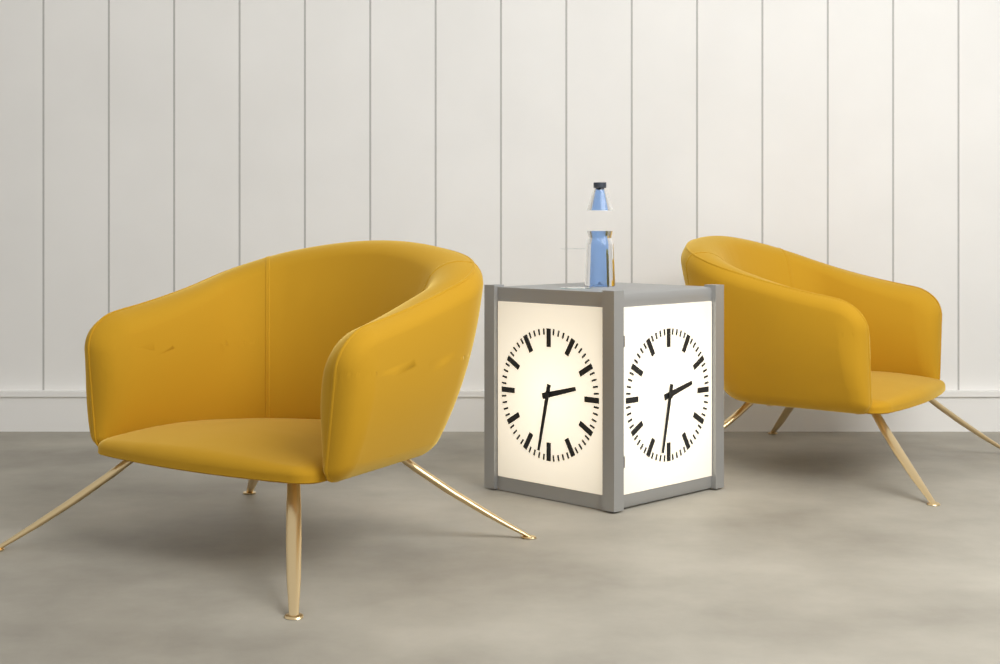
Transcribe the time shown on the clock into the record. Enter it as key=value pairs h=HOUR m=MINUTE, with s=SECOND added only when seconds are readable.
h=2 m=32
